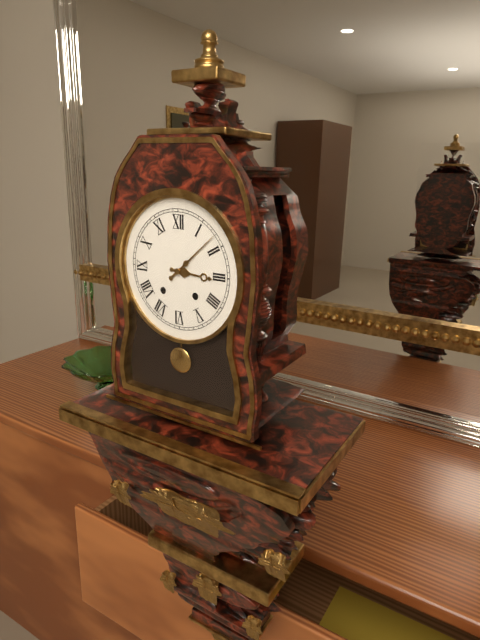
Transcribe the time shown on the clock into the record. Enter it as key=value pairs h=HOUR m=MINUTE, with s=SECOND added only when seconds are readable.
h=3 m=8
